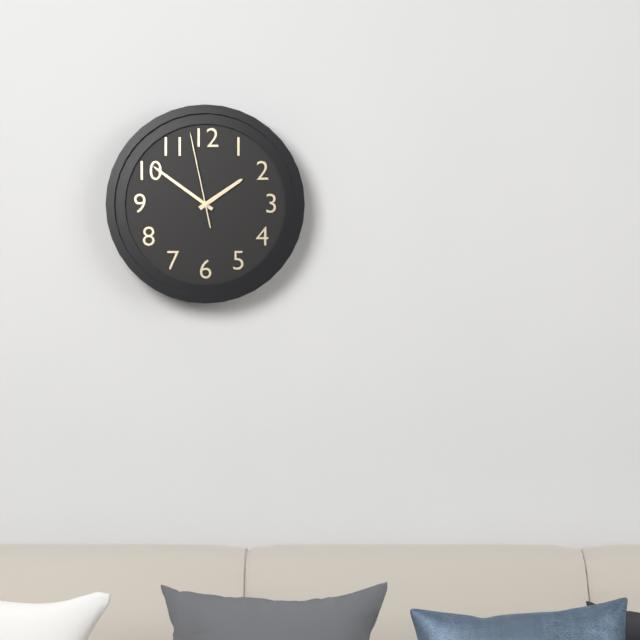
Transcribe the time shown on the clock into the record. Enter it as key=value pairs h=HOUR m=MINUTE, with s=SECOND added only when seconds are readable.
h=1 m=51 s=58
